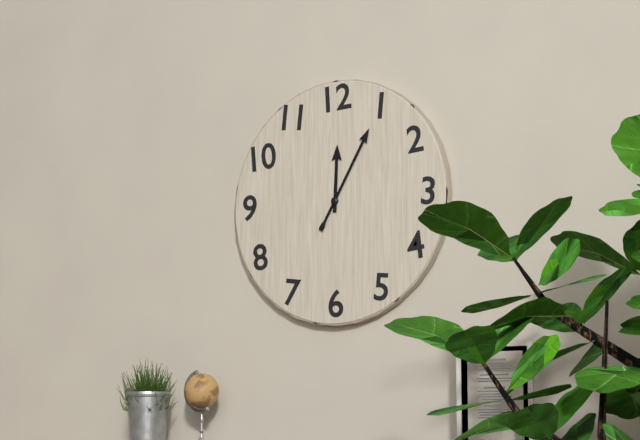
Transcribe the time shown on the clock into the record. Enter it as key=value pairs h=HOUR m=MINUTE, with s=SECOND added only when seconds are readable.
h=12 m=5
